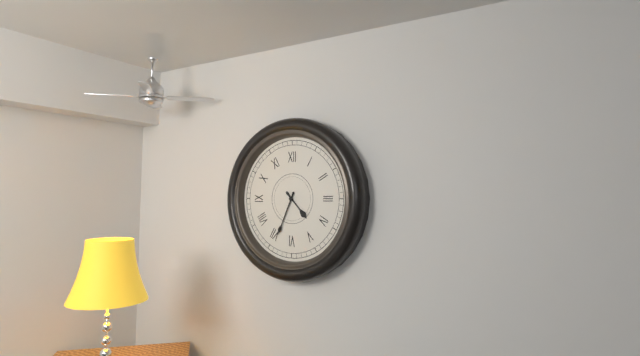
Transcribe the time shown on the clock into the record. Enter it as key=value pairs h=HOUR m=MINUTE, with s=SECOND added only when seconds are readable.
h=4 m=34
